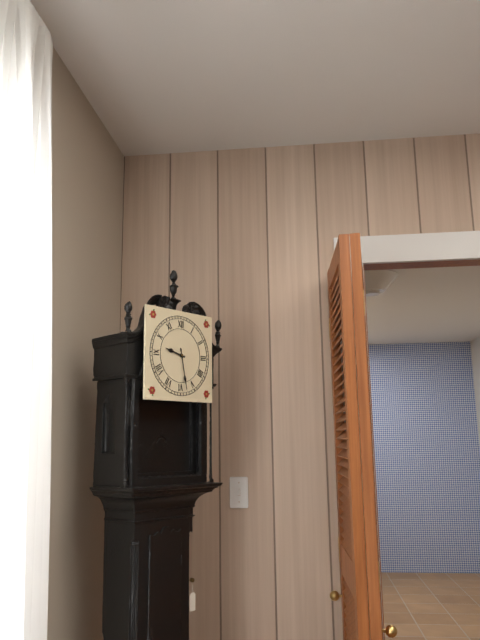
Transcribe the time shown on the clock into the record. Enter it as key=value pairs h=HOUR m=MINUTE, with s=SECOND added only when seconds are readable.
h=9 m=28
